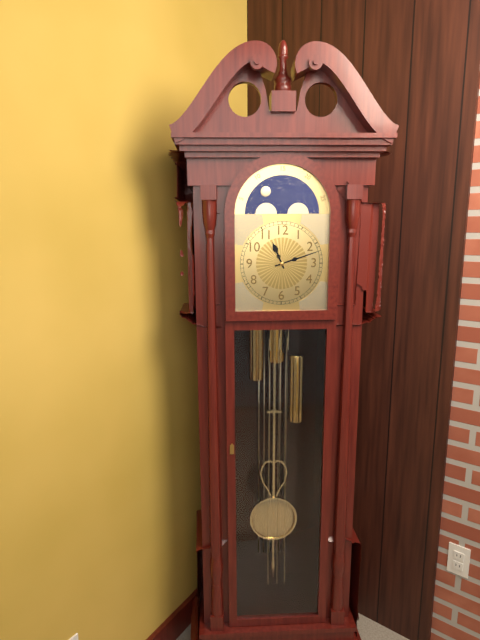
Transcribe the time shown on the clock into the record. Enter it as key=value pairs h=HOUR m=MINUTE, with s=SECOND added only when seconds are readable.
h=11 m=12
